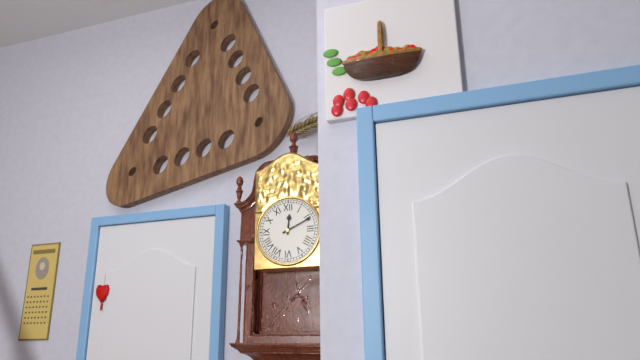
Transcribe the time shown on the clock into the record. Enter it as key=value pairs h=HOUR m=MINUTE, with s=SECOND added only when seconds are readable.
h=12 m=11
